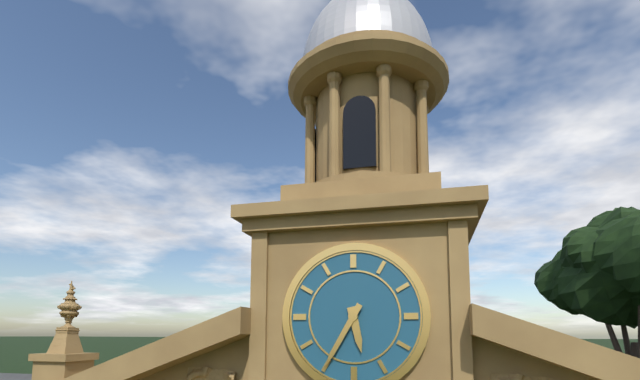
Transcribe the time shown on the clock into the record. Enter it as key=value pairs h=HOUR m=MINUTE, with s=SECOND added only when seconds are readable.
h=5 m=35
